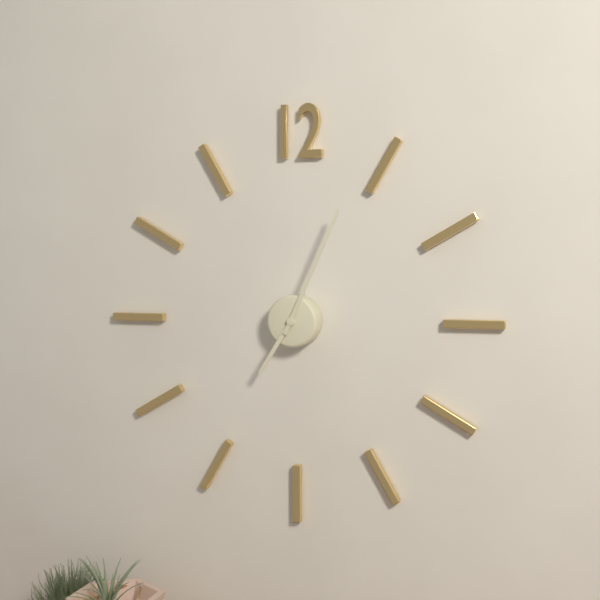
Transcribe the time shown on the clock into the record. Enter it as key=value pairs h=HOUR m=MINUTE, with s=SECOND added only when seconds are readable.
h=7 m=4
